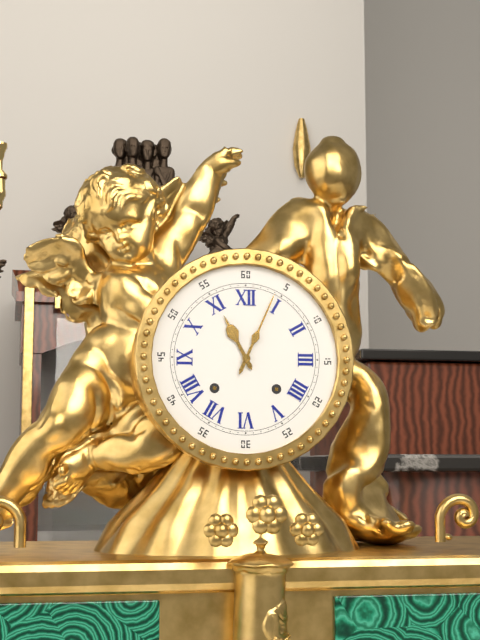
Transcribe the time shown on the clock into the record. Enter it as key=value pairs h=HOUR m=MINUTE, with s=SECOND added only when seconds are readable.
h=11 m=4
